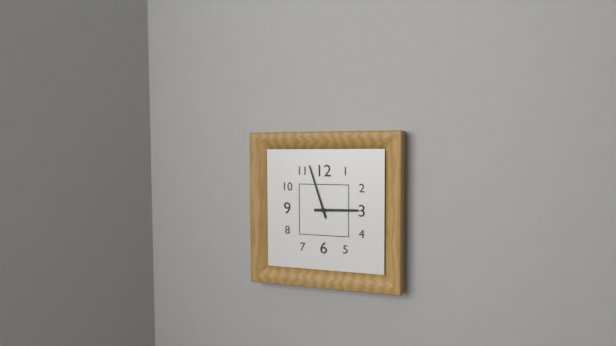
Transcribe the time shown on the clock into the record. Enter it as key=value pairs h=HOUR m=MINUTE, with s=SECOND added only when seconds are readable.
h=2 m=57
